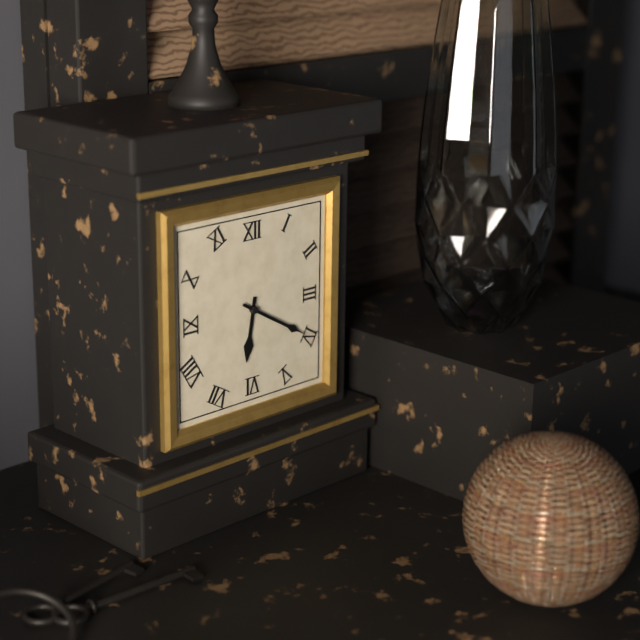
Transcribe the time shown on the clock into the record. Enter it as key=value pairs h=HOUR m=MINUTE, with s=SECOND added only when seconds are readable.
h=6 m=20
